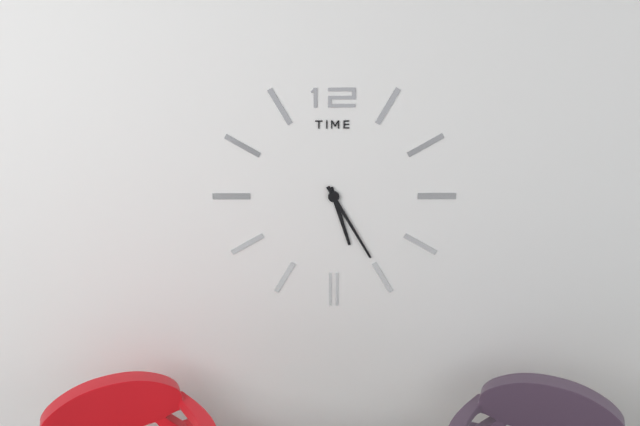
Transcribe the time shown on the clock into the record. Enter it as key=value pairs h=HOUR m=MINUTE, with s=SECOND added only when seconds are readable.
h=5 m=25
